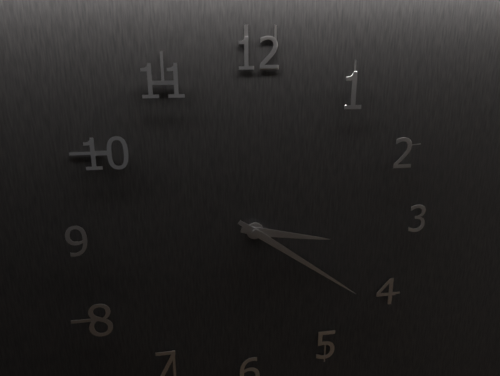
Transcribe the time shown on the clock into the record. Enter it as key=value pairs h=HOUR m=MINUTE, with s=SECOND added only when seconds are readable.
h=3 m=21
